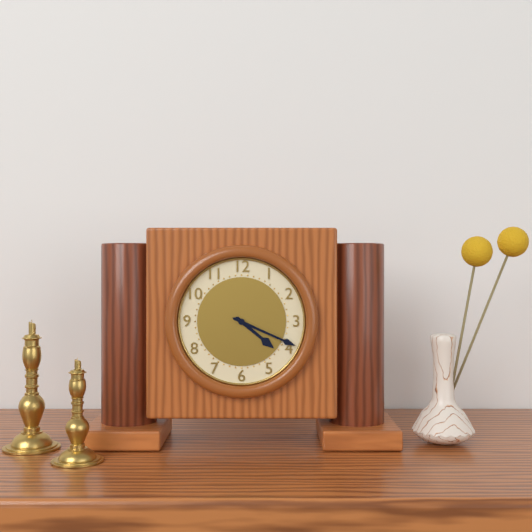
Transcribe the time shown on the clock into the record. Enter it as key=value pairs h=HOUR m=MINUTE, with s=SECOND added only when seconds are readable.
h=4 m=19
